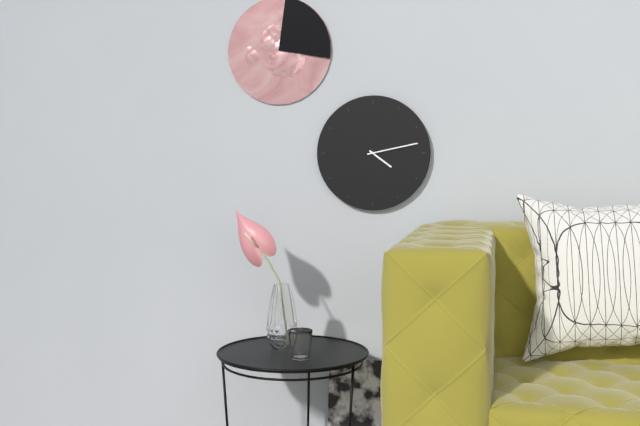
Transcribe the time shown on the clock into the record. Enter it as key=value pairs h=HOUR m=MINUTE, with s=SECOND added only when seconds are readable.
h=4 m=13
